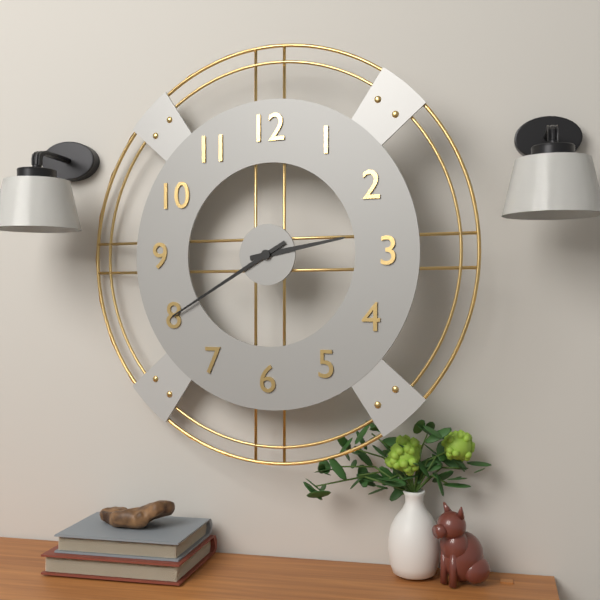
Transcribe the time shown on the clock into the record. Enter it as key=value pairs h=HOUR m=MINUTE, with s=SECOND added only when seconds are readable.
h=2 m=40
